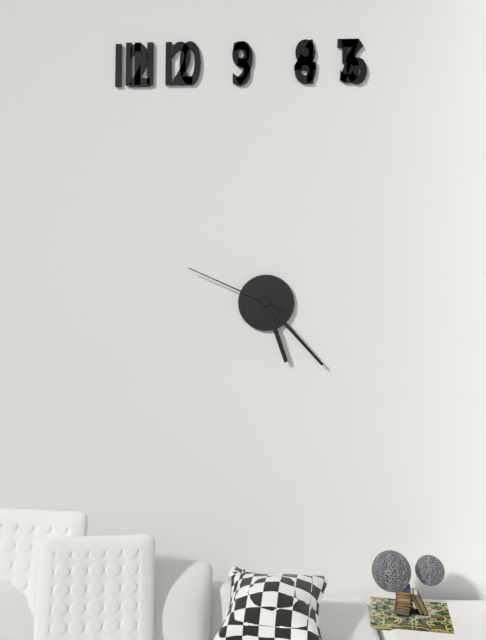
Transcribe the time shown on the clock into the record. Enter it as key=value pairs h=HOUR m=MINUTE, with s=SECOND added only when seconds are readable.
h=5 m=23 s=49
